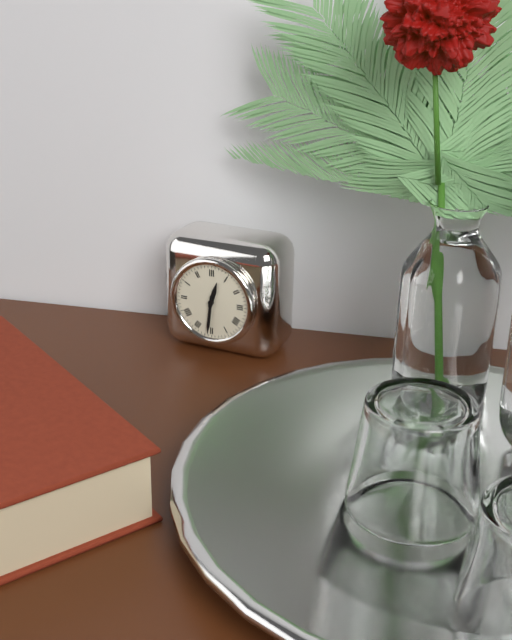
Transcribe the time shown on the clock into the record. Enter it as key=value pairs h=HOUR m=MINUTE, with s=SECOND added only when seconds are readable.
h=12 m=31
